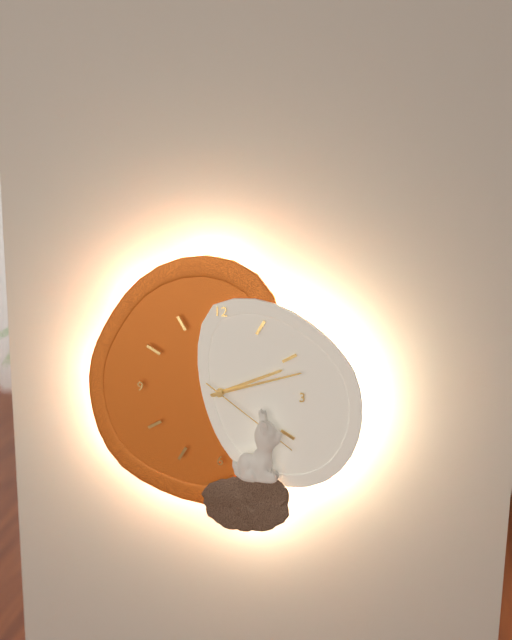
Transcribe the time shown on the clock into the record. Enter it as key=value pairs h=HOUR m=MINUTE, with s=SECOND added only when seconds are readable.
h=2 m=12 s=21
